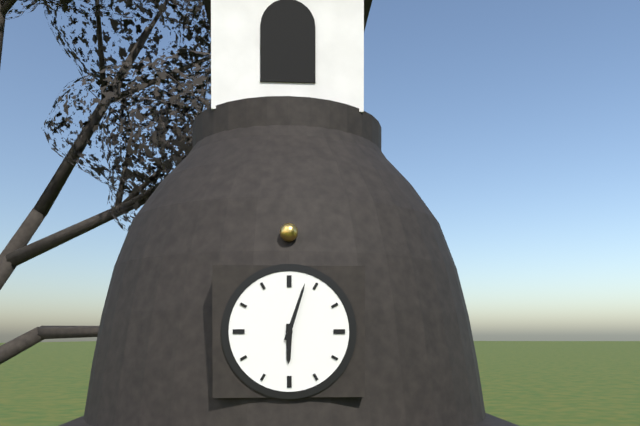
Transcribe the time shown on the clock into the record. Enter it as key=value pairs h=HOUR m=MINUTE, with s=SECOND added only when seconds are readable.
h=6 m=3
